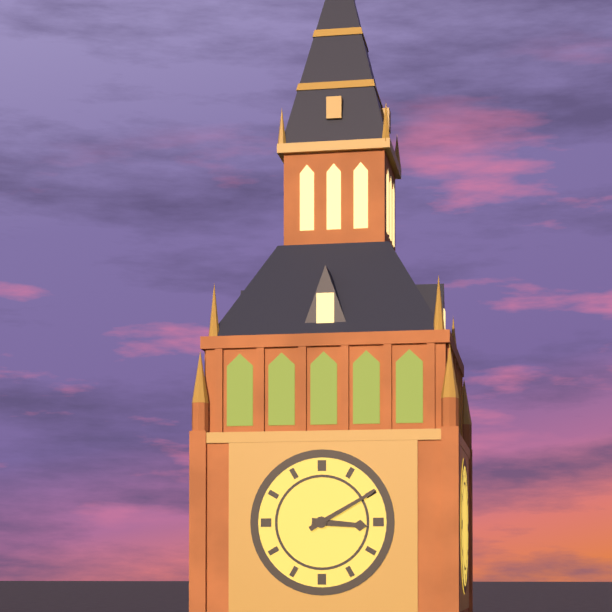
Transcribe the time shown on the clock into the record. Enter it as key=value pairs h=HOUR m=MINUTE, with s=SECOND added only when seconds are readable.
h=3 m=10
